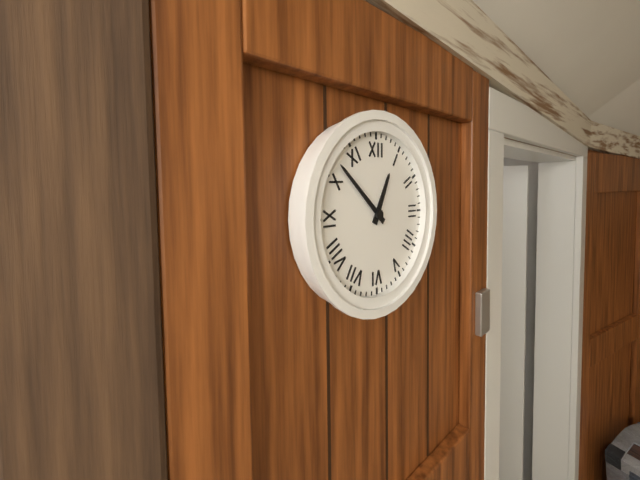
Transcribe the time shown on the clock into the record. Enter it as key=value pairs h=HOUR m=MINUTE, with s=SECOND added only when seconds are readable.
h=12 m=52
